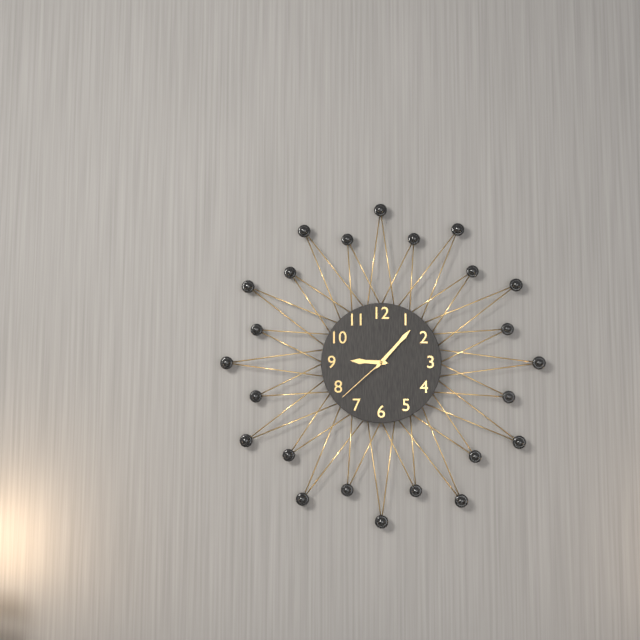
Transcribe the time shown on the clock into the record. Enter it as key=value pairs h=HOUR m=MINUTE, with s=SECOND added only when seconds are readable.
h=9 m=7 s=38
